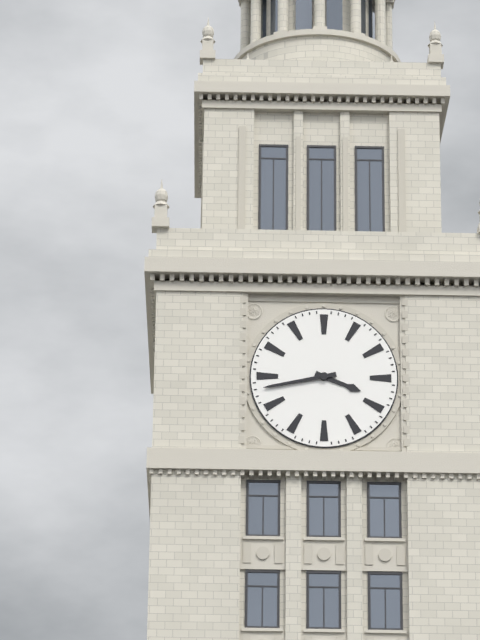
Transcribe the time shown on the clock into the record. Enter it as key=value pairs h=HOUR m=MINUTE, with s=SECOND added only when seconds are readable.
h=3 m=43
